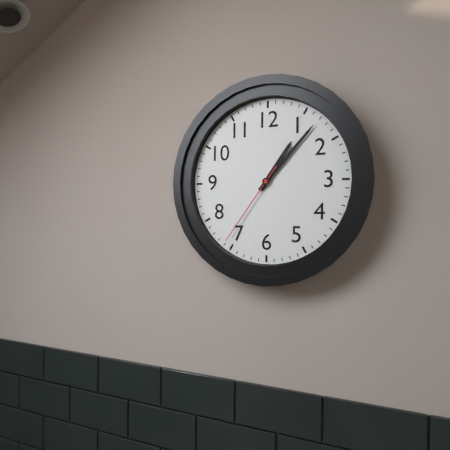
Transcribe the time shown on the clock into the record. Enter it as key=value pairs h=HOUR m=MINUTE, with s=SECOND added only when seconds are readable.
h=1 m=7 s=36
